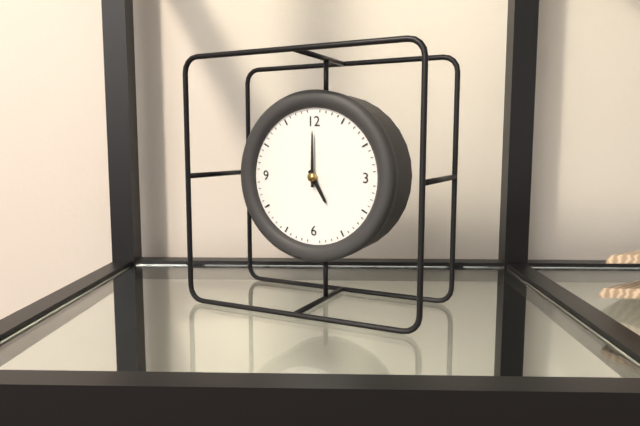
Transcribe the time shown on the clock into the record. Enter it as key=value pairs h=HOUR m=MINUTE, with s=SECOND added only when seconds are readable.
h=5 m=0
